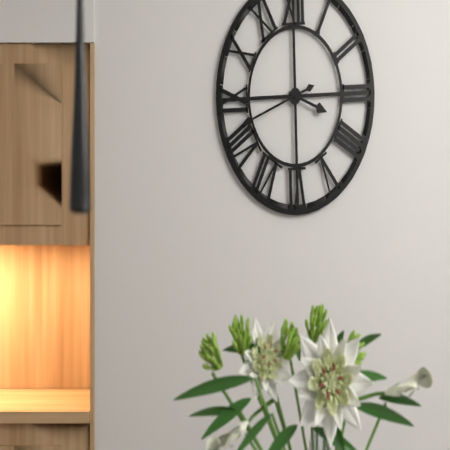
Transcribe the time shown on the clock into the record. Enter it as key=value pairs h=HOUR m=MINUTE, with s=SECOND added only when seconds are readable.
h=3 m=42
